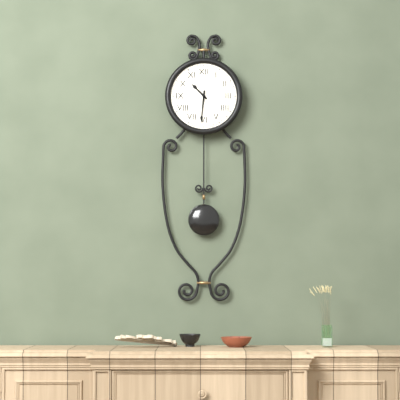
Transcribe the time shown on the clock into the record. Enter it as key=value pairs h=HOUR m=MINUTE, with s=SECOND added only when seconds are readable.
h=10 m=31
